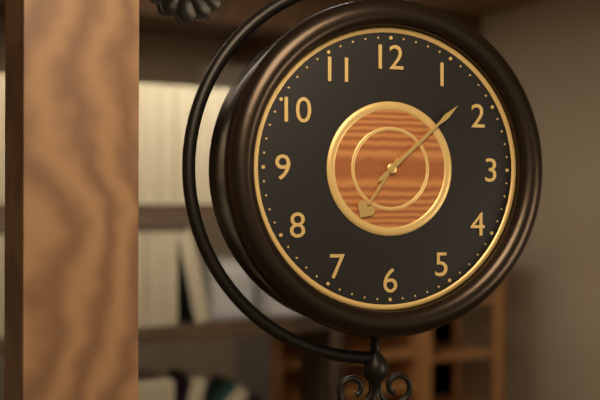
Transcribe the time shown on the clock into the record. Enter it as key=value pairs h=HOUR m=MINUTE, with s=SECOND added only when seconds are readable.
h=7 m=8
